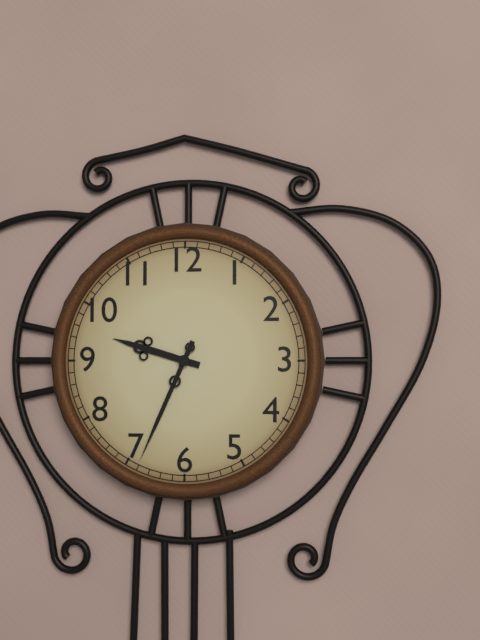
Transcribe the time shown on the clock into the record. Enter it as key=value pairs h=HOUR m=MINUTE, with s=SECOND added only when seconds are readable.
h=9 m=34
